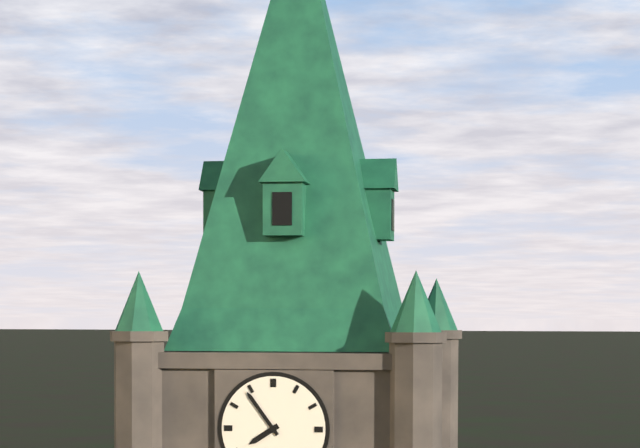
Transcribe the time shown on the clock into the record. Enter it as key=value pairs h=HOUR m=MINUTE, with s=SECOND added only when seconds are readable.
h=7 m=54
